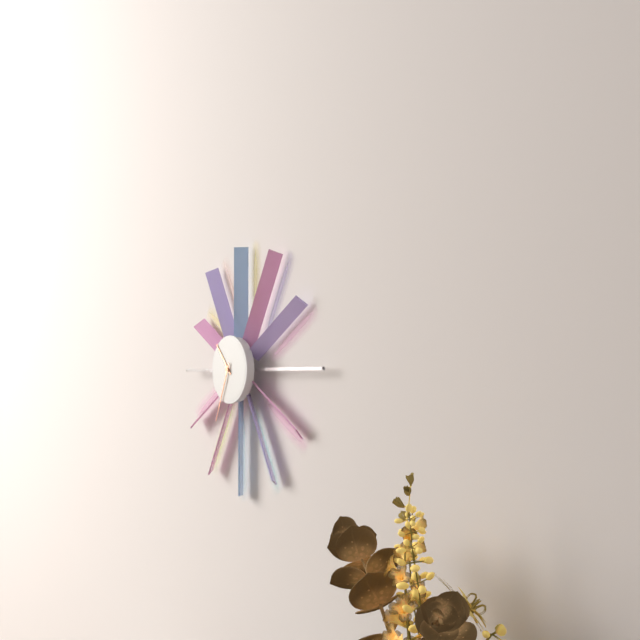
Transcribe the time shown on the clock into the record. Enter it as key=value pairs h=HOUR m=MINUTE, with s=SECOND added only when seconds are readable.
h=10 m=34
